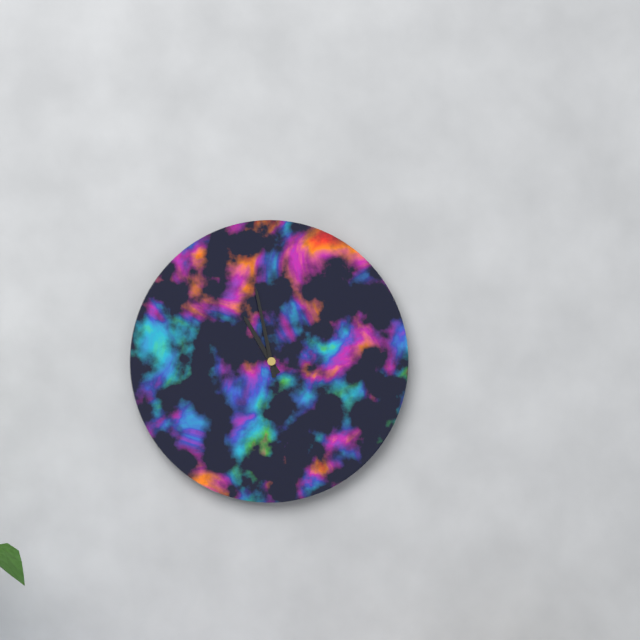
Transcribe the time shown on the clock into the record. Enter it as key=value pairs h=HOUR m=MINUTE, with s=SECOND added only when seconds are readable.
h=10 m=58
